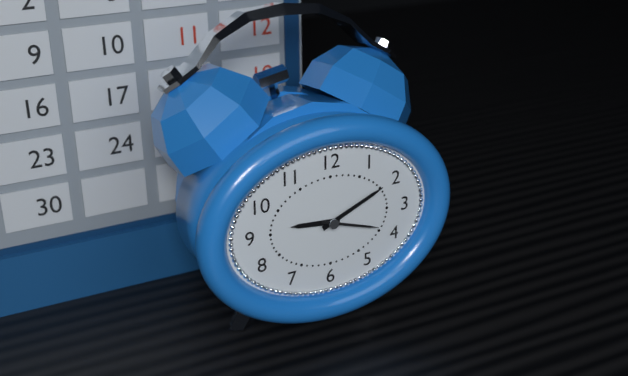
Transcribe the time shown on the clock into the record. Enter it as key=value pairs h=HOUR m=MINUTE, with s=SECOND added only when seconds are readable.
h=9 m=11 s=18
